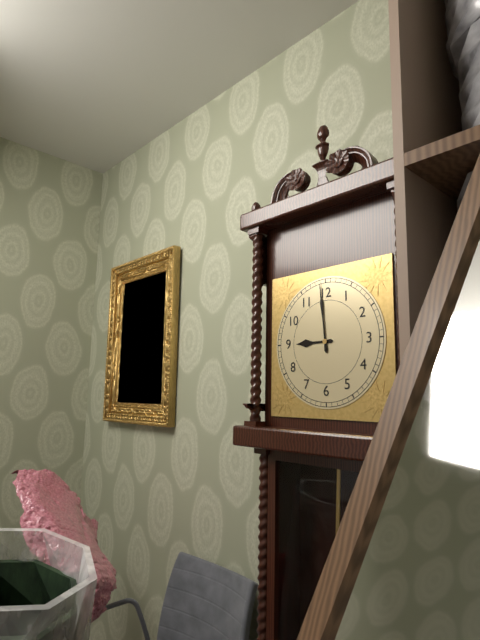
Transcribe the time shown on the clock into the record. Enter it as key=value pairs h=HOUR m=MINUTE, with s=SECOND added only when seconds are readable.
h=8 m=59
